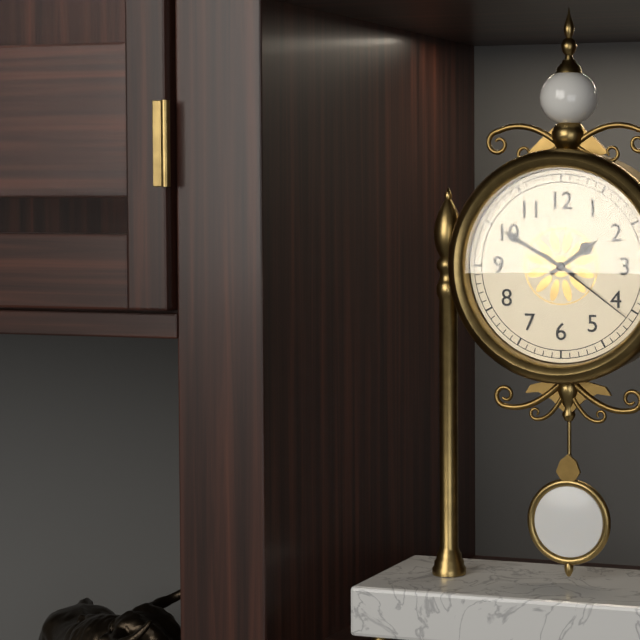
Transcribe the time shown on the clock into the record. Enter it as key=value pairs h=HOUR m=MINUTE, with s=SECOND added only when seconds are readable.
h=1 m=50 s=21
